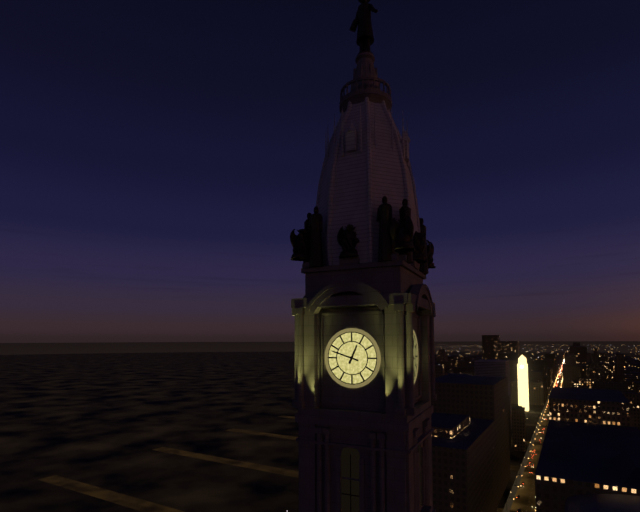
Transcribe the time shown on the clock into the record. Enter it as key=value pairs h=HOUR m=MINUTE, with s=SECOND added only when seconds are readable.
h=12 m=48
